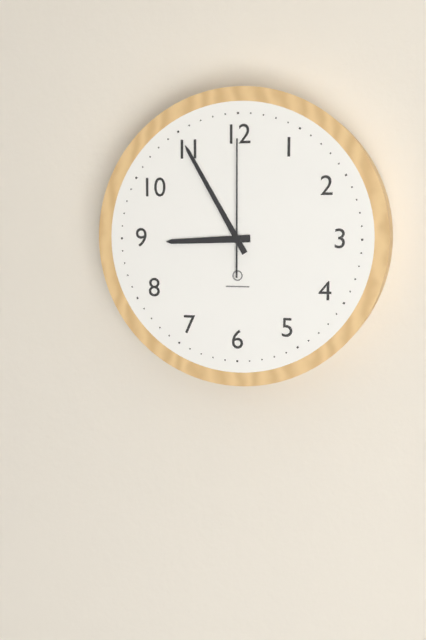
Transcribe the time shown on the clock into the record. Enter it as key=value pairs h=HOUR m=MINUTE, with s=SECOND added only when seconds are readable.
h=8 m=55 s=0
